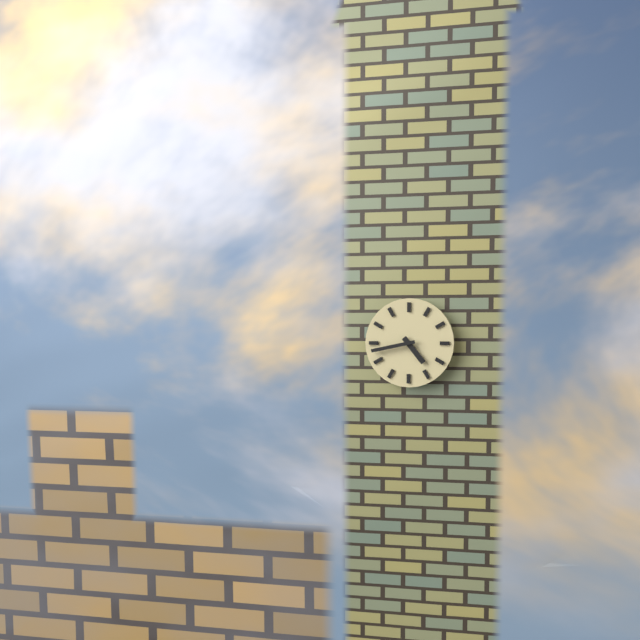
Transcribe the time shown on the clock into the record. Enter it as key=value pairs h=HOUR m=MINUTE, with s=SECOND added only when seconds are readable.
h=4 m=43
